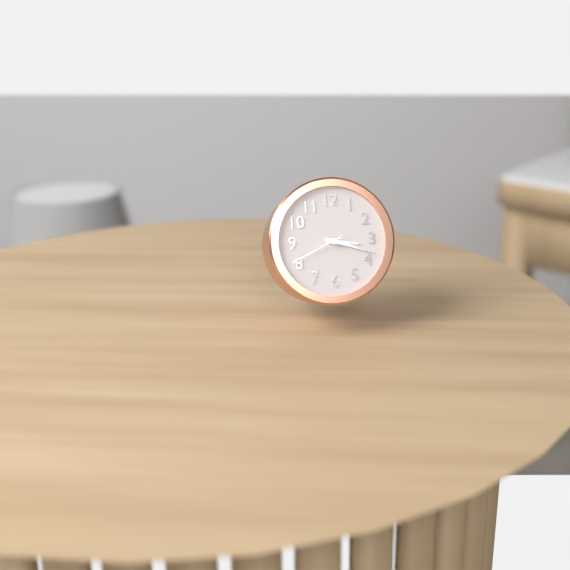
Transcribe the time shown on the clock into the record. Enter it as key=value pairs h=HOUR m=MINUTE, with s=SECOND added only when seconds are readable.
h=3 m=18 s=41
